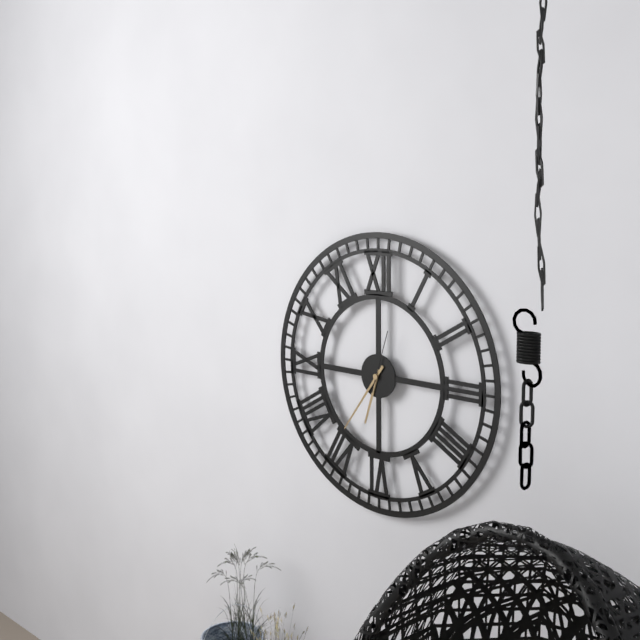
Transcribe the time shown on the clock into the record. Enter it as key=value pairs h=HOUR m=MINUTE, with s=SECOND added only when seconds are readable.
h=6 m=36 s=3
